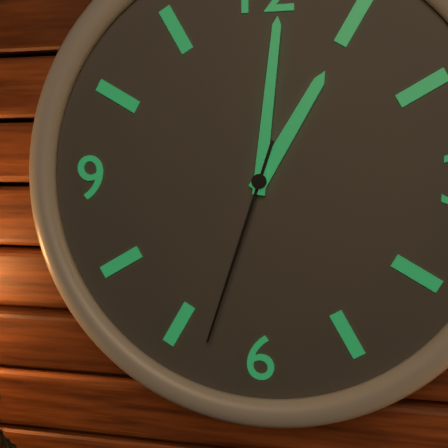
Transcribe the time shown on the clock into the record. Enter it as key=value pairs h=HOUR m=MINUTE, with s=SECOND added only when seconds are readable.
h=1 m=1 s=33
